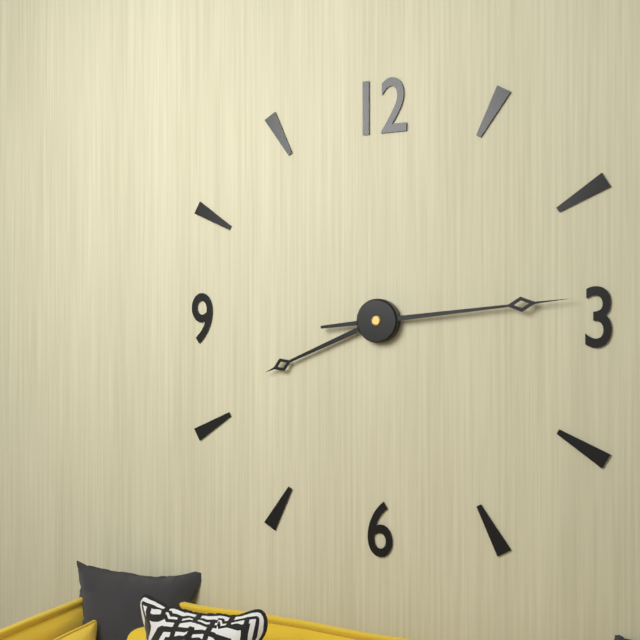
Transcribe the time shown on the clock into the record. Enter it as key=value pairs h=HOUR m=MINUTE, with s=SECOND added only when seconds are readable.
h=8 m=14
